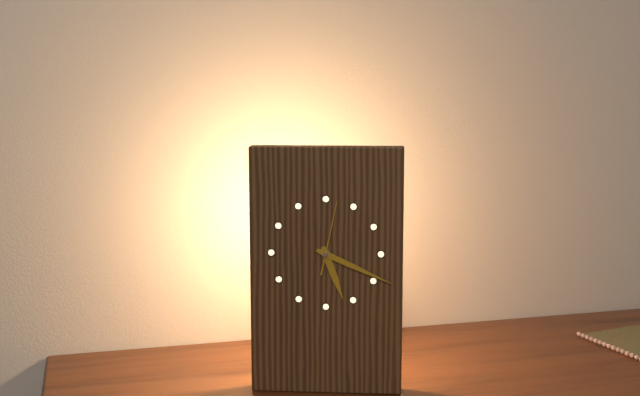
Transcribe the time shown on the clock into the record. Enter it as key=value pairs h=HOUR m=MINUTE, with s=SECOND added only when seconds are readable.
h=5 m=19 s=2
